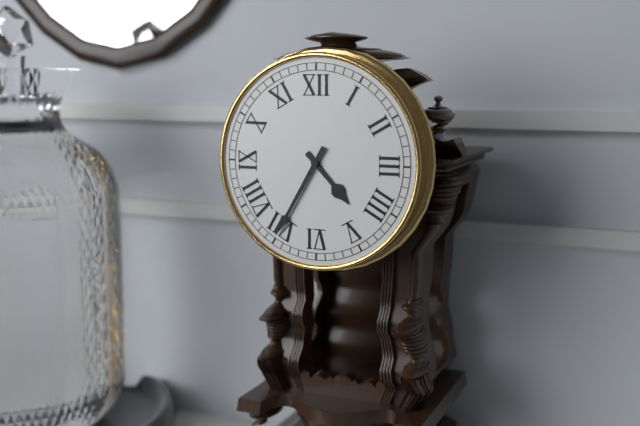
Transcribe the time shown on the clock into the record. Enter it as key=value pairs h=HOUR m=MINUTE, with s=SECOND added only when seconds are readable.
h=4 m=35
